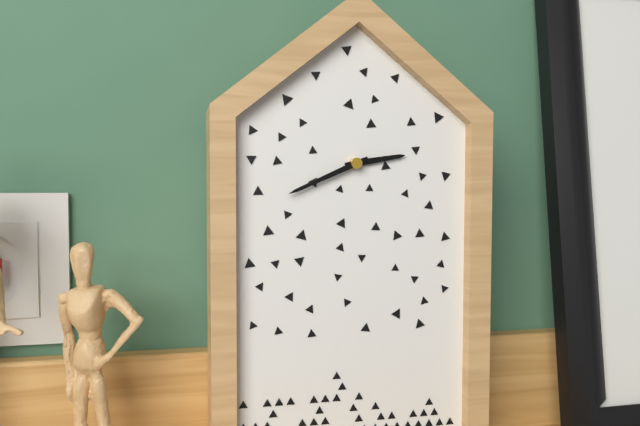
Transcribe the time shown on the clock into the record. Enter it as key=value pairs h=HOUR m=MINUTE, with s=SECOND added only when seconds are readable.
h=2 m=41
